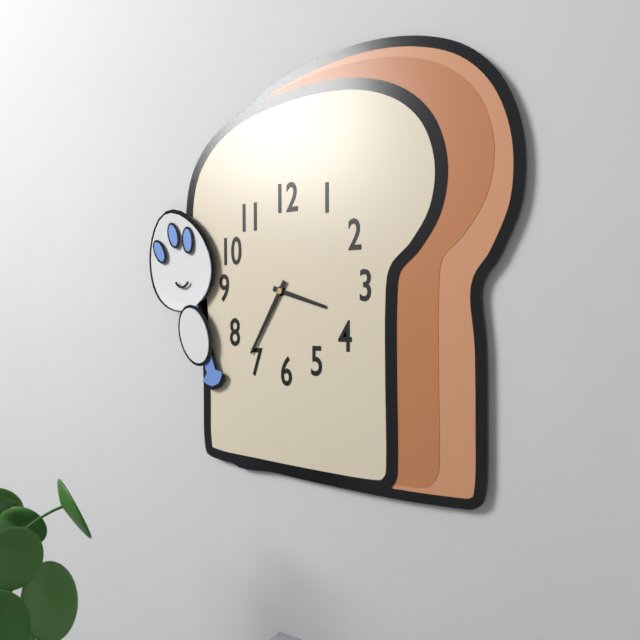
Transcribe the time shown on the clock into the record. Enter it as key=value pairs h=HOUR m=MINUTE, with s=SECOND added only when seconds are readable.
h=3 m=35
